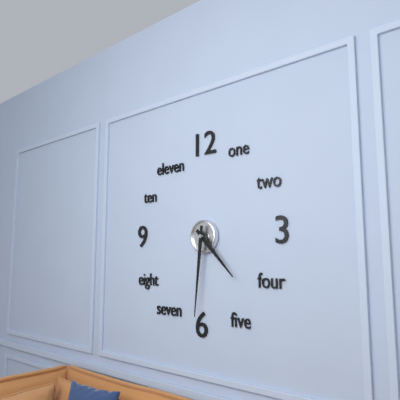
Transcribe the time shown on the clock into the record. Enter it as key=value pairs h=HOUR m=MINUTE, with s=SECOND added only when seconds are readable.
h=4 m=31
